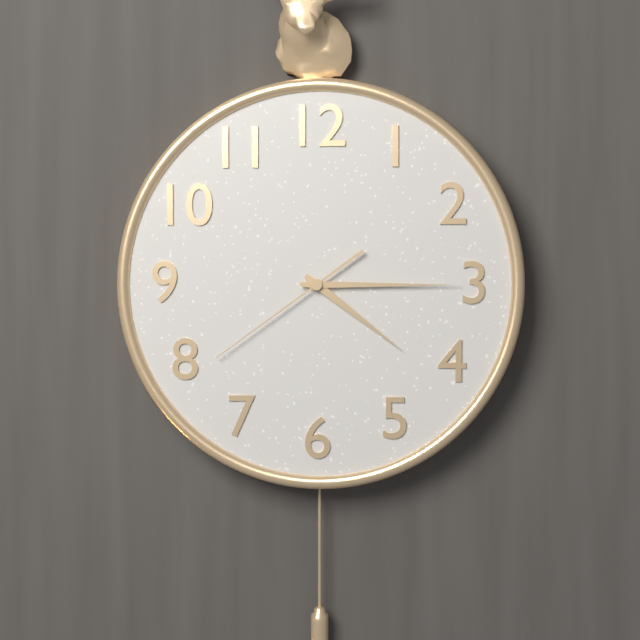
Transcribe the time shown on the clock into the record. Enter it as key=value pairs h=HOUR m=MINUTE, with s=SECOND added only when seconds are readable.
h=4 m=15 s=39
